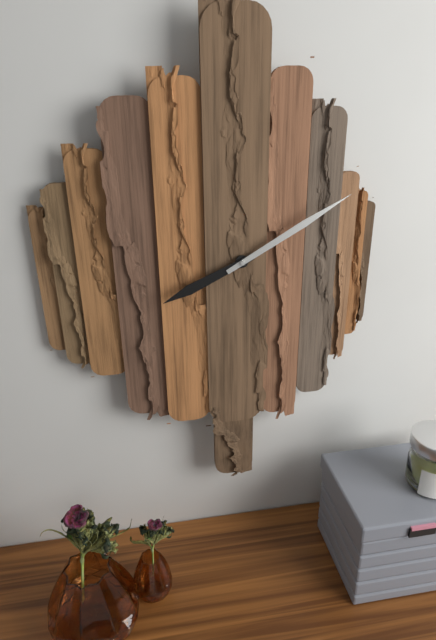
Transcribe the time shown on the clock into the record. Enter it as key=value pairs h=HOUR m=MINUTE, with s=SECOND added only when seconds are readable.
h=8 m=10
